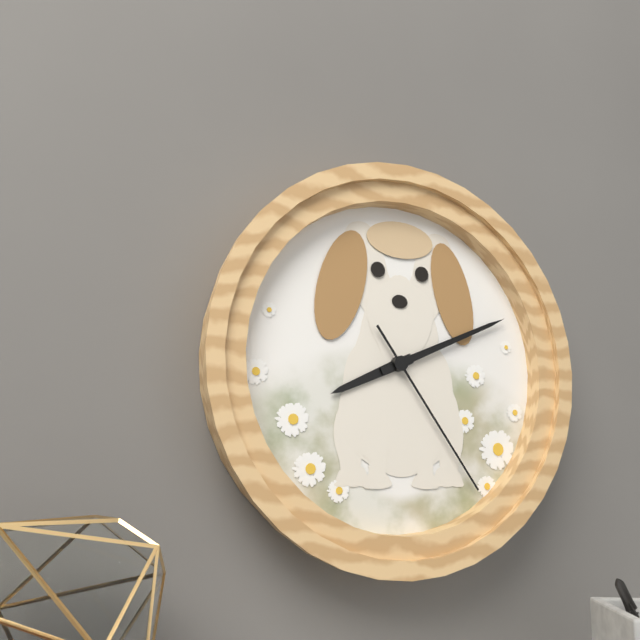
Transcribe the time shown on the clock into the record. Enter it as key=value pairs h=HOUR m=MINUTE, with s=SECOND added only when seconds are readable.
h=8 m=11 s=24
